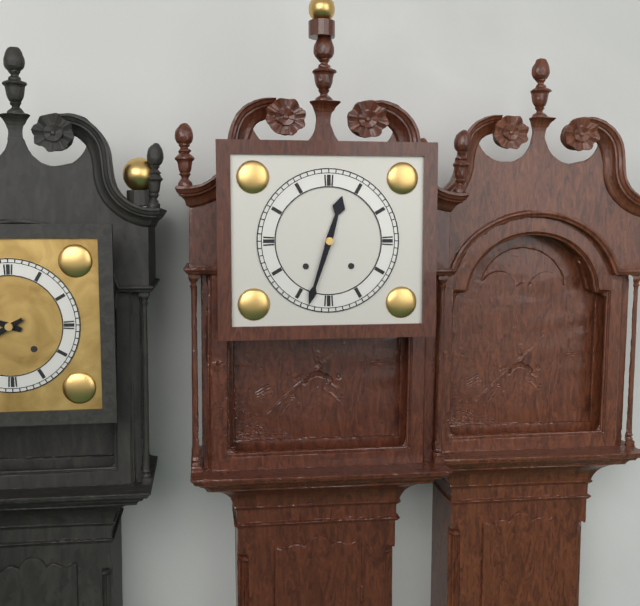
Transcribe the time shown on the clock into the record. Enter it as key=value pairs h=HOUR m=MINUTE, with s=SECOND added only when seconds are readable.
h=12 m=33
